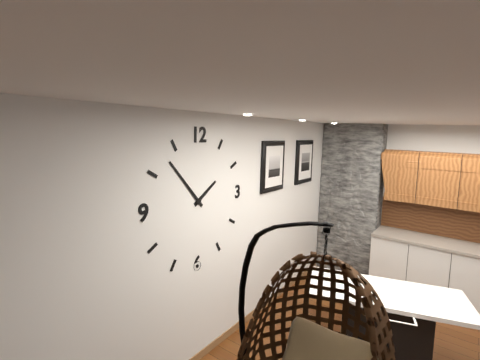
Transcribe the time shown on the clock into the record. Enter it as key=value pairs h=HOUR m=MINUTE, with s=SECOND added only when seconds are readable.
h=1 m=53
